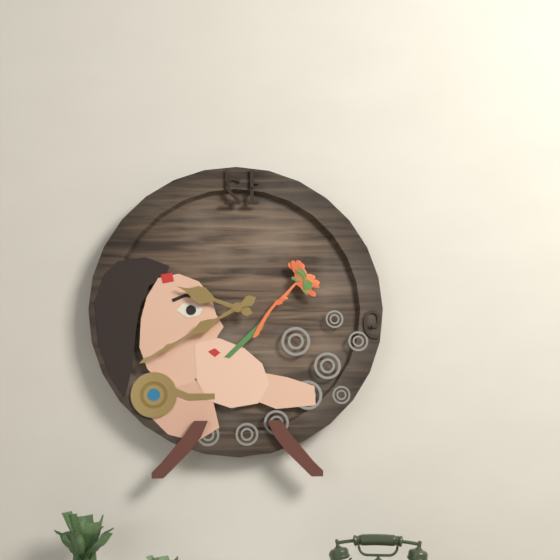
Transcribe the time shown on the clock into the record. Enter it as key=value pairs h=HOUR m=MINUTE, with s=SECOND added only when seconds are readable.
h=9 m=40
